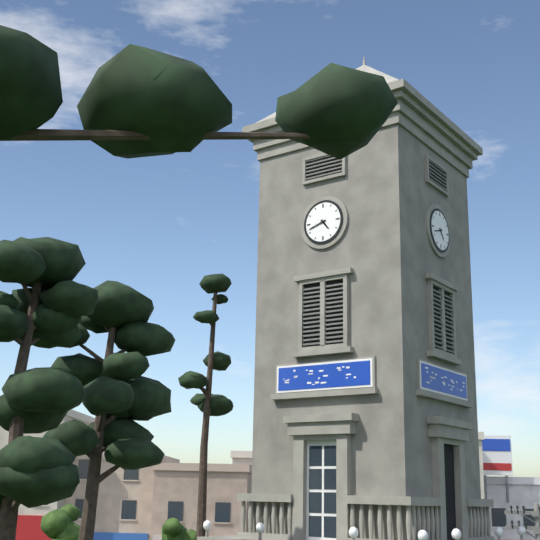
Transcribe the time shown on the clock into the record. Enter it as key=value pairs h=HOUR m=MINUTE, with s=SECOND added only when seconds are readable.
h=4 m=42
